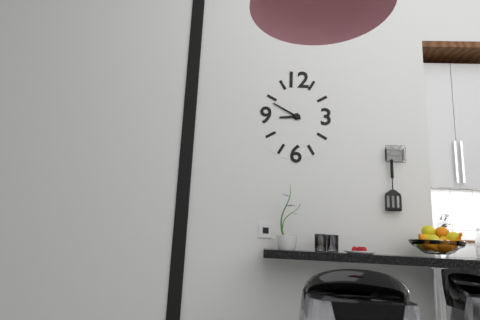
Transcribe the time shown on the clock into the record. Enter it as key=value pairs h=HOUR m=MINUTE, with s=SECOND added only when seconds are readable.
h=8 m=50
